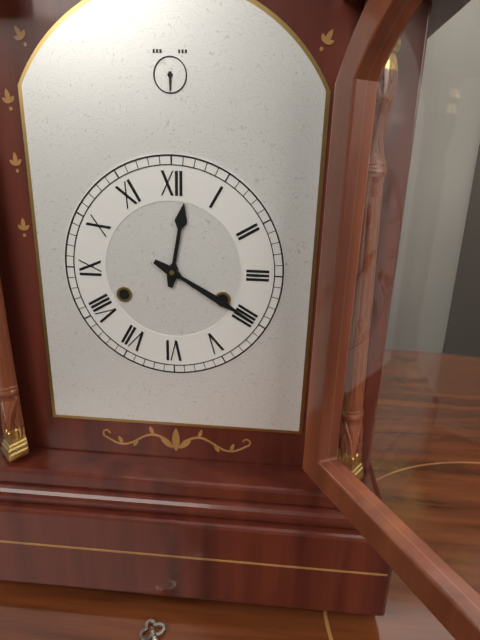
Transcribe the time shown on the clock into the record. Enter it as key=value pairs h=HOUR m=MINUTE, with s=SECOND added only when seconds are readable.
h=12 m=20
